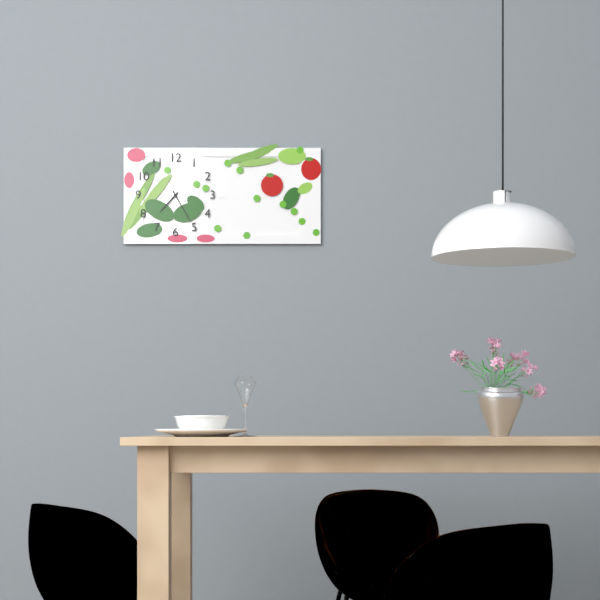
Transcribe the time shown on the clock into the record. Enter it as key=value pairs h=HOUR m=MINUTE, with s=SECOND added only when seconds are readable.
h=7 m=25
